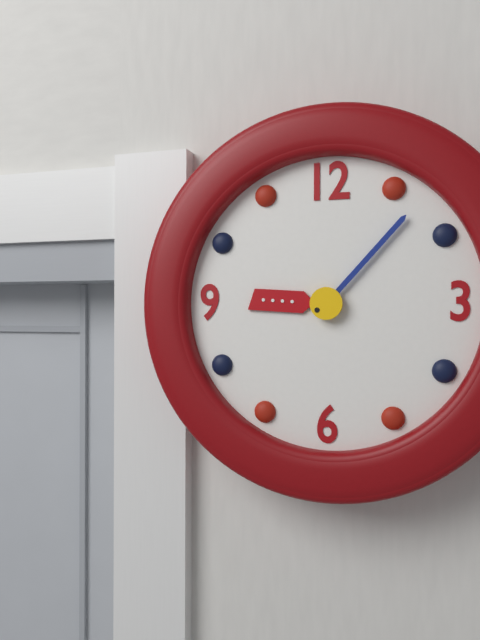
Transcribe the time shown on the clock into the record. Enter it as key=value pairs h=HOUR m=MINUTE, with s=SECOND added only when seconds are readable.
h=9 m=7
